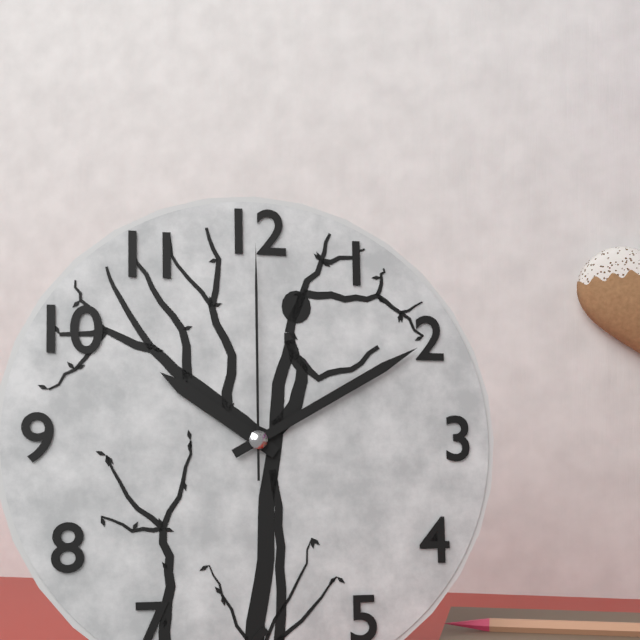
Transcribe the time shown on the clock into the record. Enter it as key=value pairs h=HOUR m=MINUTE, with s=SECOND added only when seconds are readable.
h=10 m=10 s=0
